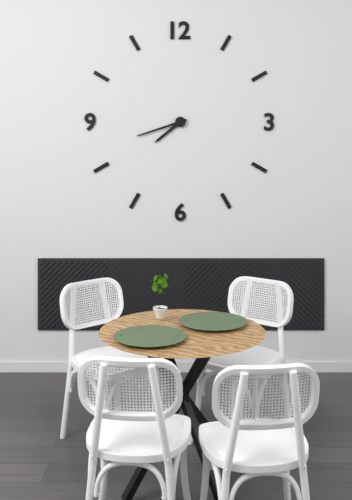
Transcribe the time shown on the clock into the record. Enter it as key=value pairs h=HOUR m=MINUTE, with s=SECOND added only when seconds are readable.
h=7 m=42
